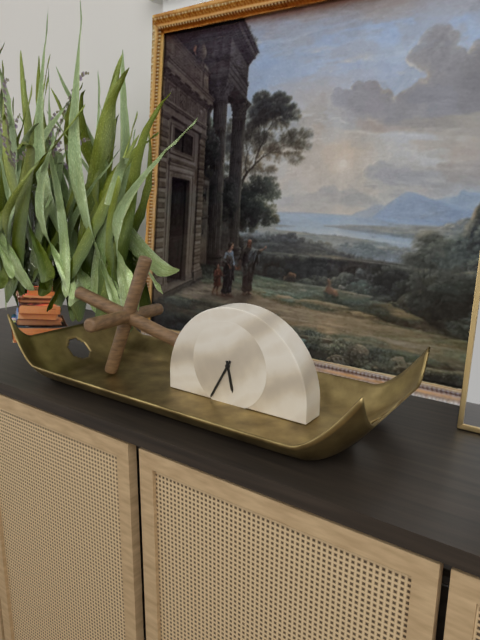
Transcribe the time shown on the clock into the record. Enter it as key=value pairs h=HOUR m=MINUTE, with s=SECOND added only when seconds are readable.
h=5 m=35
